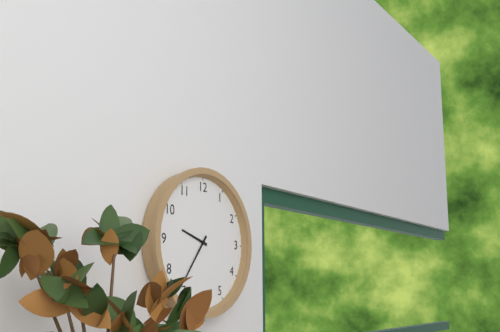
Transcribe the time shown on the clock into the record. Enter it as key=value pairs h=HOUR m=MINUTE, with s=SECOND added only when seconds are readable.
h=9 m=36
